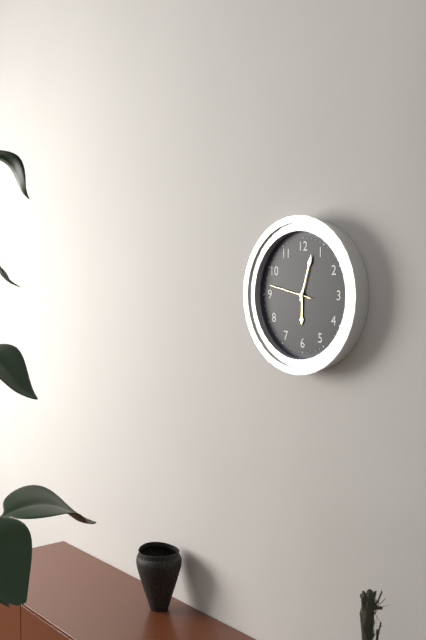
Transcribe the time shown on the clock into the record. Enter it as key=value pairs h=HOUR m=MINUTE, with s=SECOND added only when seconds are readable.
h=6 m=3
